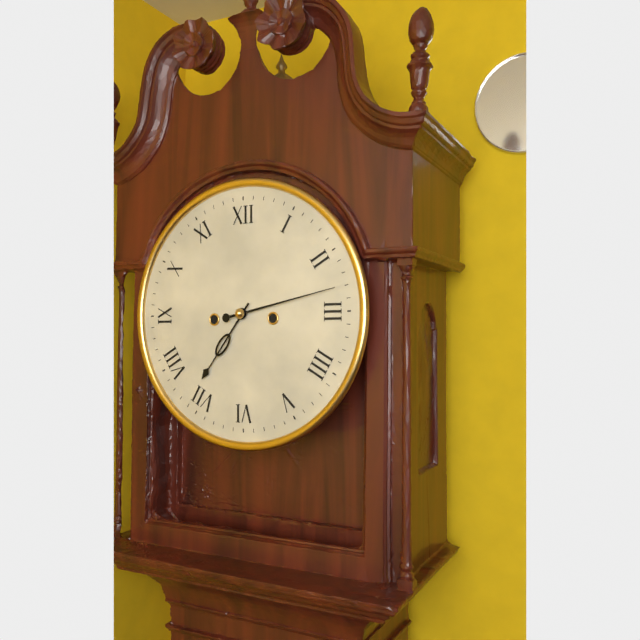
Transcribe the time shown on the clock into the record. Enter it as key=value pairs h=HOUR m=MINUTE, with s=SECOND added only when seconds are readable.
h=7 m=13
